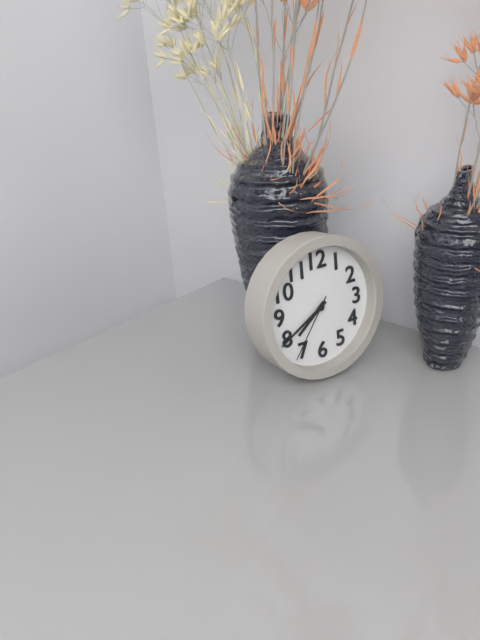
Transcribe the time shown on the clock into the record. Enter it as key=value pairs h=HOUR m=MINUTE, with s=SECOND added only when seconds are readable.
h=7 m=40 s=36
